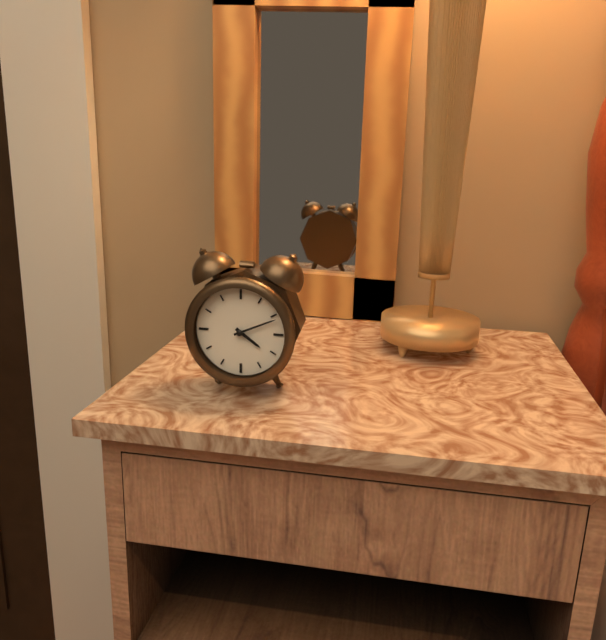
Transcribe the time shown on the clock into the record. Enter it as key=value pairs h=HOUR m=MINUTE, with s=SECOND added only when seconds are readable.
h=4 m=11
